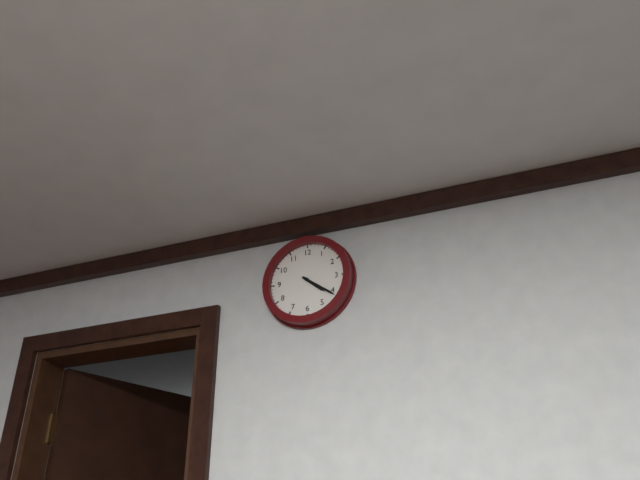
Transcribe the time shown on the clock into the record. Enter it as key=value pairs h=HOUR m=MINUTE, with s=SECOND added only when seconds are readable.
h=4 m=21
